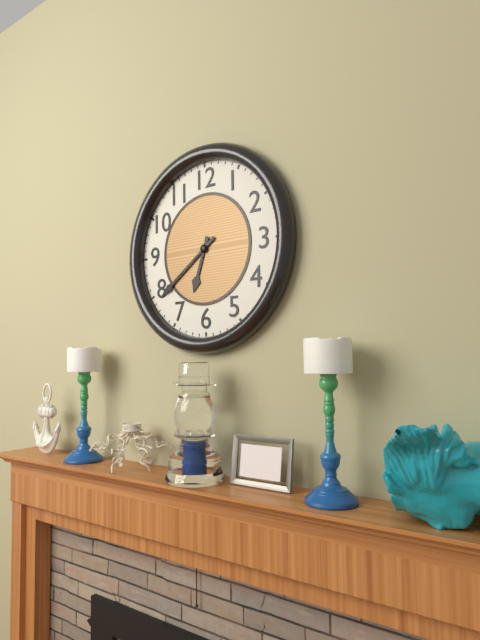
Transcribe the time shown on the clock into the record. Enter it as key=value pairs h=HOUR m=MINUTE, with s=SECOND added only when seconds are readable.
h=6 m=39
